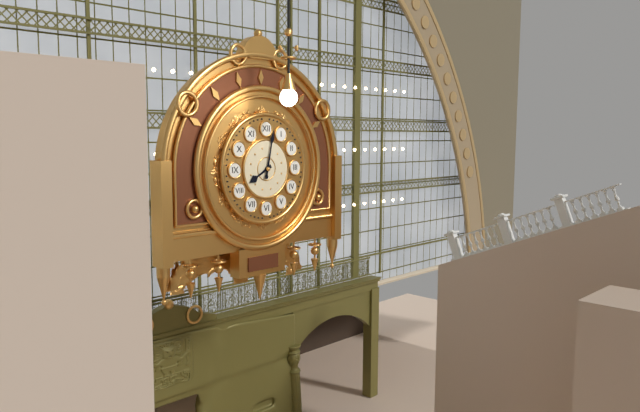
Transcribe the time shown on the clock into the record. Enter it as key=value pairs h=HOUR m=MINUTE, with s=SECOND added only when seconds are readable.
h=8 m=2
